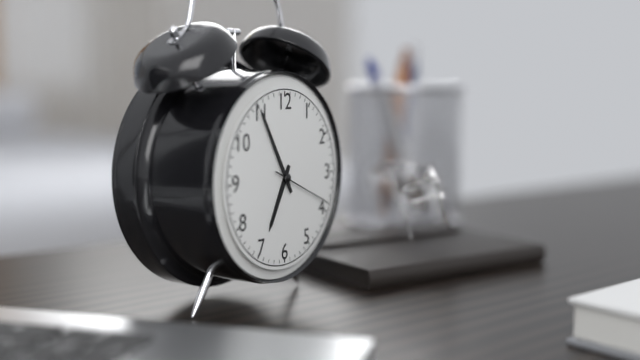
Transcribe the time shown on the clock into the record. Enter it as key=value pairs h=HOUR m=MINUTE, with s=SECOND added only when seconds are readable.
h=6 m=55 s=19
